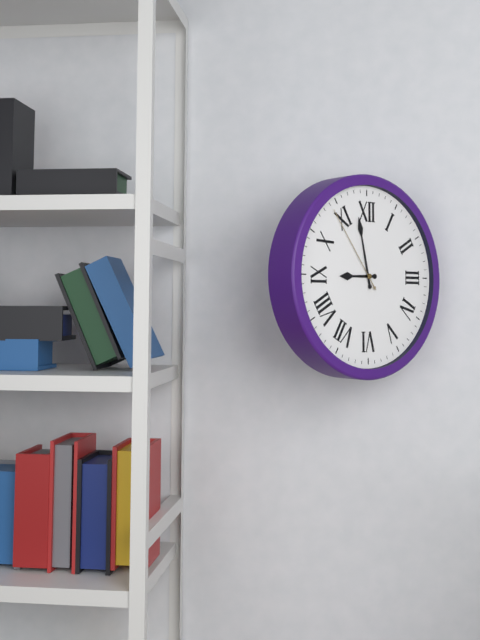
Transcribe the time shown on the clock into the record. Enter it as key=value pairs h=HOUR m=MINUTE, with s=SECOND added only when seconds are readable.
h=8 m=58 s=54
